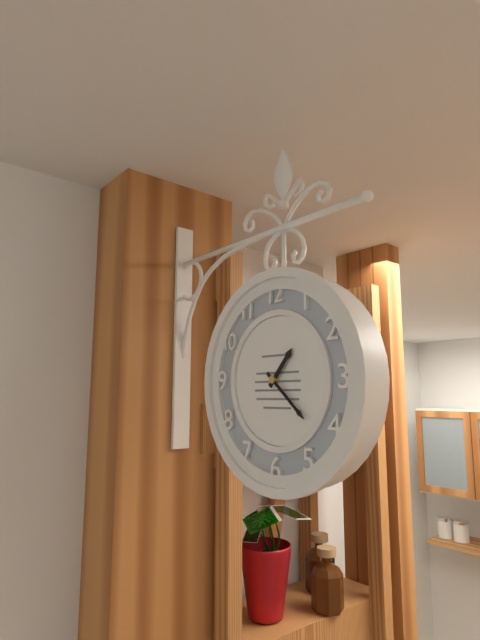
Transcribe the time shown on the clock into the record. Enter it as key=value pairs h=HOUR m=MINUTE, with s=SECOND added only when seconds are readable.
h=1 m=22
